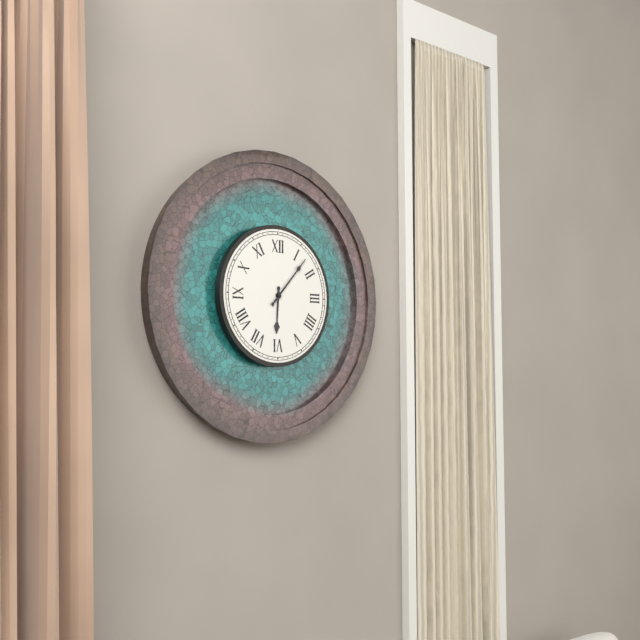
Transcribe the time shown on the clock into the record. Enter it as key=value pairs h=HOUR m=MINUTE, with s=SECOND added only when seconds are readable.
h=6 m=7
